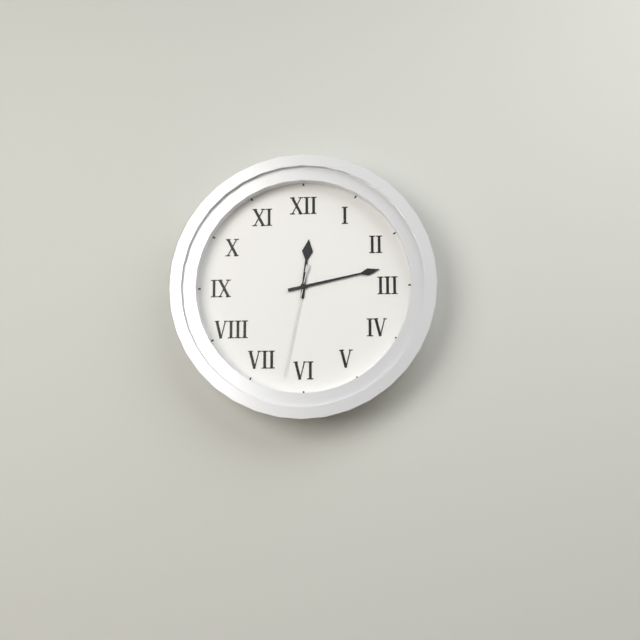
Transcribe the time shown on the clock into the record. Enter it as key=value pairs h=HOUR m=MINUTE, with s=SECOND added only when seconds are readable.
h=12 m=13 s=32
